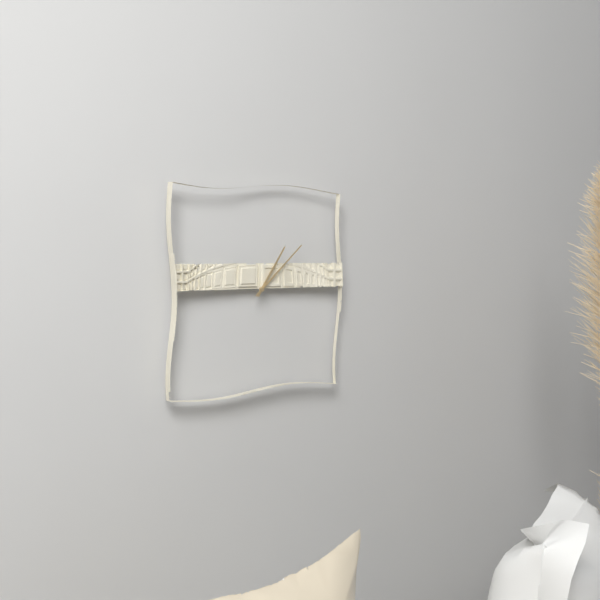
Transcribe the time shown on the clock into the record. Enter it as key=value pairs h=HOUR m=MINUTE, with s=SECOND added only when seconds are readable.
h=1 m=8
